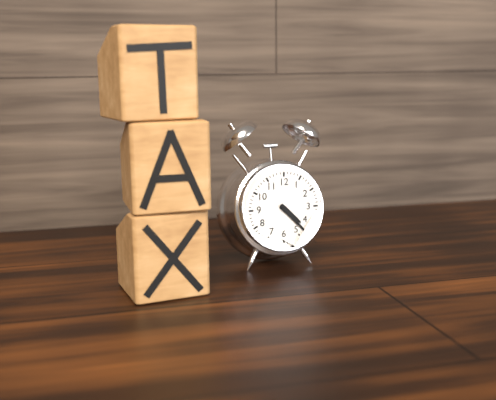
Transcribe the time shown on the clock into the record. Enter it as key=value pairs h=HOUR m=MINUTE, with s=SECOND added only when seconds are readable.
h=4 m=23
